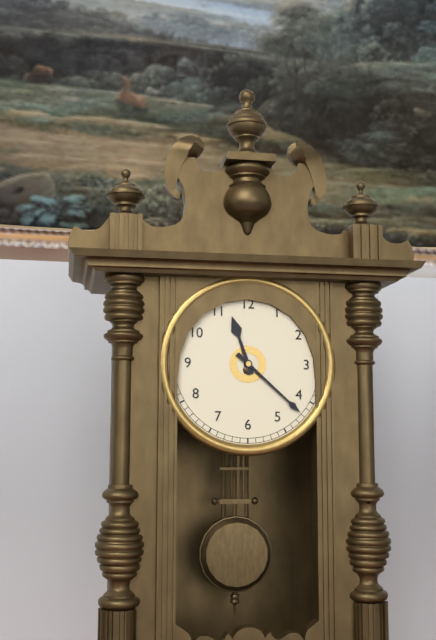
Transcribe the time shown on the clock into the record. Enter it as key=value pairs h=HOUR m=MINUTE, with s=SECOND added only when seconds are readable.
h=11 m=22
